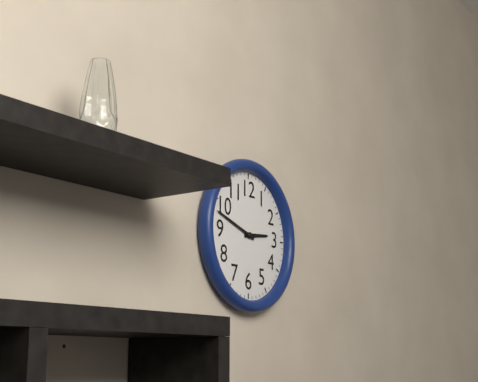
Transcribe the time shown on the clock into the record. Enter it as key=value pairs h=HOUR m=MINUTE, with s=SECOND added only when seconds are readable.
h=2 m=48
